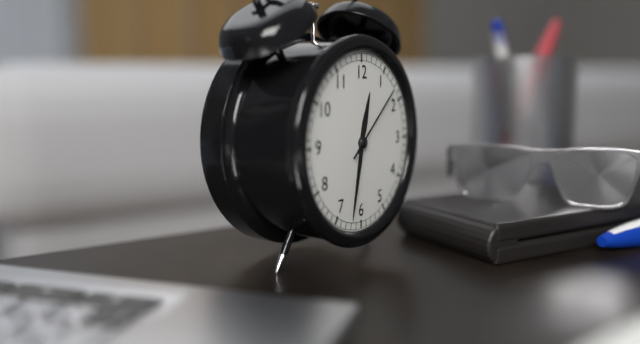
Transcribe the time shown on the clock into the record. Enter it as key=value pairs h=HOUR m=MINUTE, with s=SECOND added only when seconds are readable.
h=12 m=32 s=8
